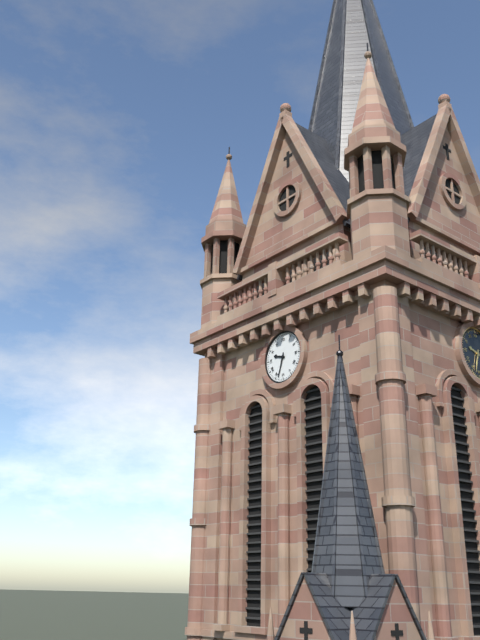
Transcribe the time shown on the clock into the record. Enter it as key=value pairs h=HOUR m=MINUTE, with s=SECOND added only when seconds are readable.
h=9 m=33
